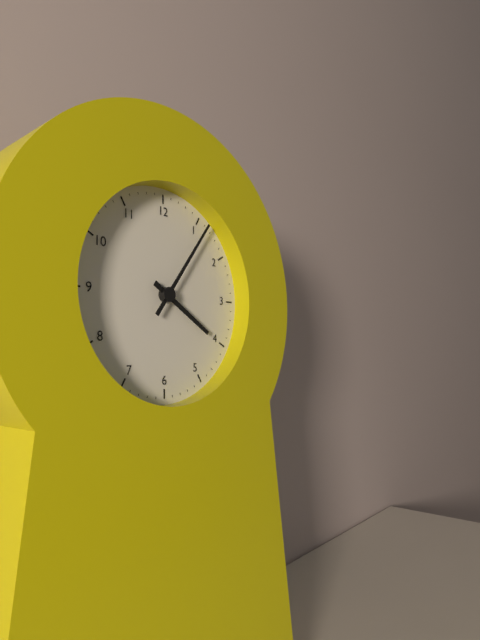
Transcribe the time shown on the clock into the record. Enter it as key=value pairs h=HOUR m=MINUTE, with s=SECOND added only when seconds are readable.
h=4 m=6
